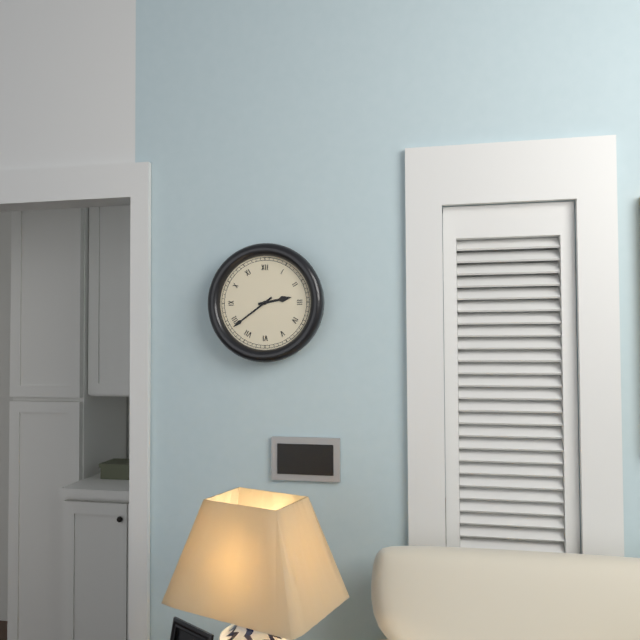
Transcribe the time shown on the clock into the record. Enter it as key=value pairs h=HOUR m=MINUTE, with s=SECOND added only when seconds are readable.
h=2 m=39
